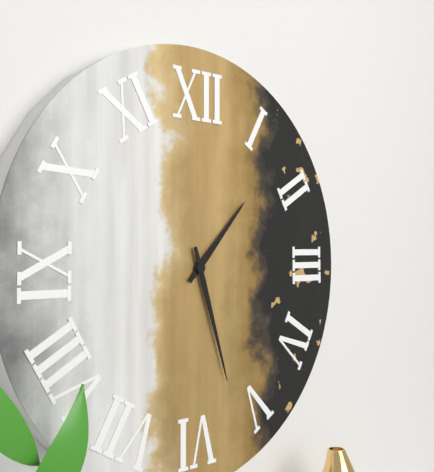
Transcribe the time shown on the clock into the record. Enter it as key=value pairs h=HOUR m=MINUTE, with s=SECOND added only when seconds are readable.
h=1 m=27
